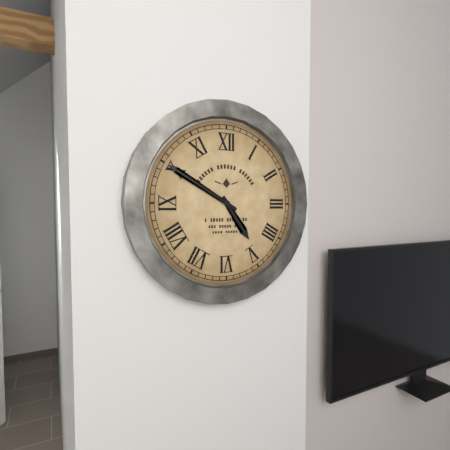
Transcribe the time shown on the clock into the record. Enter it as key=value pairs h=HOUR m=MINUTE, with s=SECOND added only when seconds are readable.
h=4 m=50
